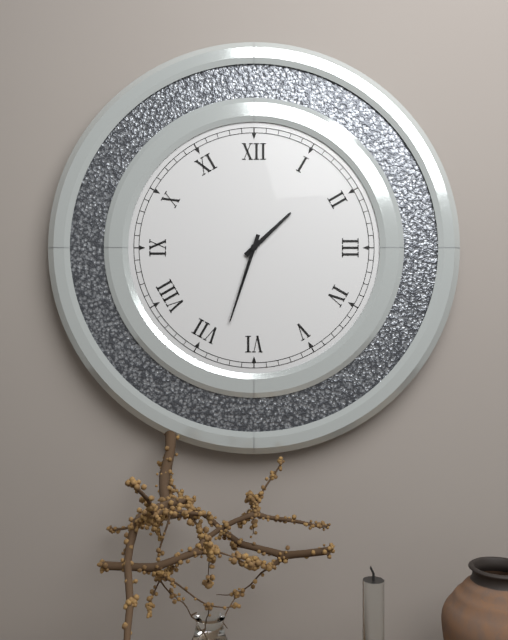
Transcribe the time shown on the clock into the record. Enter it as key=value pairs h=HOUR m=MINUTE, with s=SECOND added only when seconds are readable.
h=1 m=33
